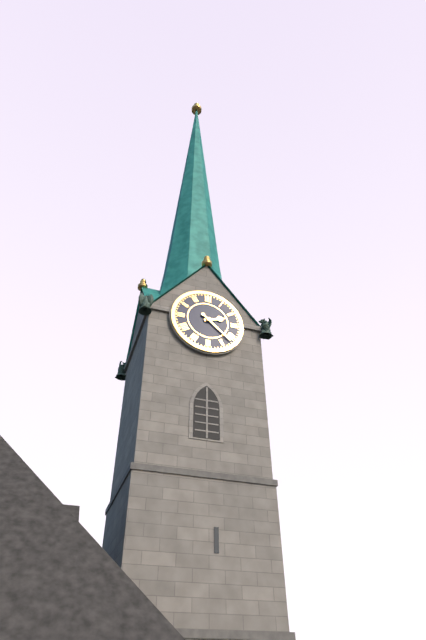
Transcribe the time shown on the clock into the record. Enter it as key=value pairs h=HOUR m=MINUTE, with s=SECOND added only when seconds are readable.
h=2 m=22
